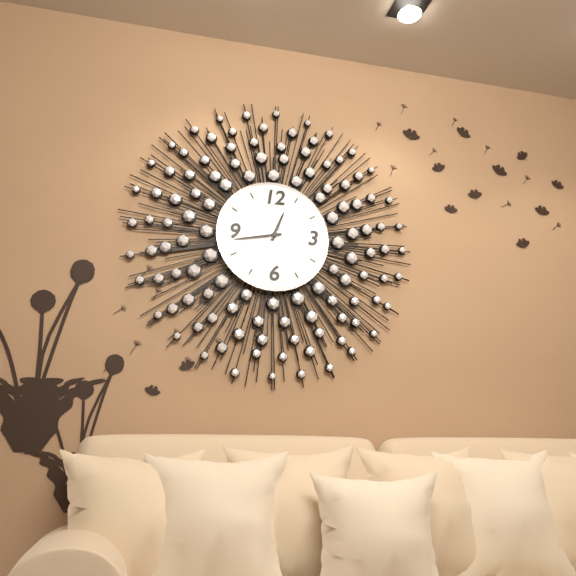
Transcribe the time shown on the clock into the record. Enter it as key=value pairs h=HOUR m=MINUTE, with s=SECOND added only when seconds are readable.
h=12 m=43 s=36
